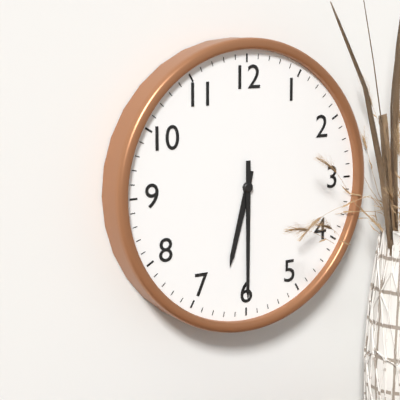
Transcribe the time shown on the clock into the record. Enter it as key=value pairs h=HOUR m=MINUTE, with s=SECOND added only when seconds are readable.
h=6 m=30
